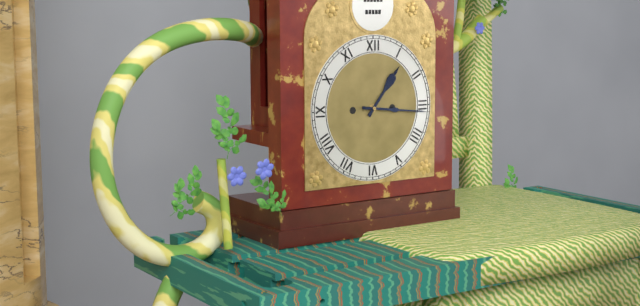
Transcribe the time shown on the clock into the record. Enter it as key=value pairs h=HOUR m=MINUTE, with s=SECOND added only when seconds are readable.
h=1 m=16
